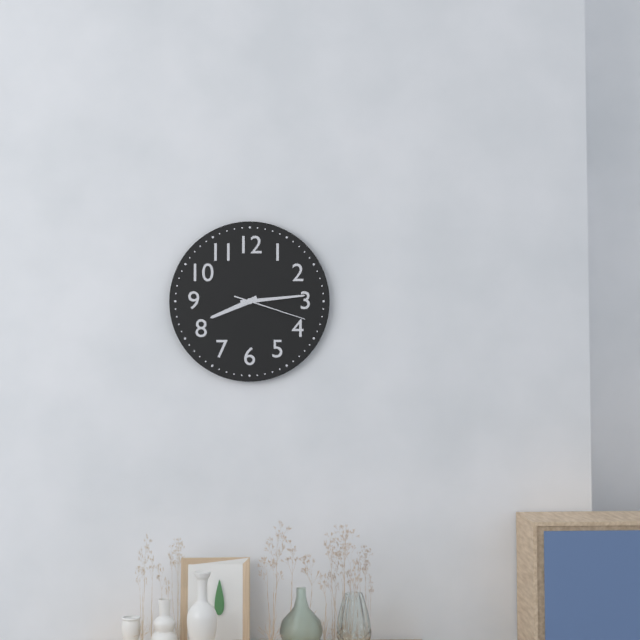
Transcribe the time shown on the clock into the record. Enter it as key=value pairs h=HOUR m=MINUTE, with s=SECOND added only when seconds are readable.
h=8 m=14 s=18
